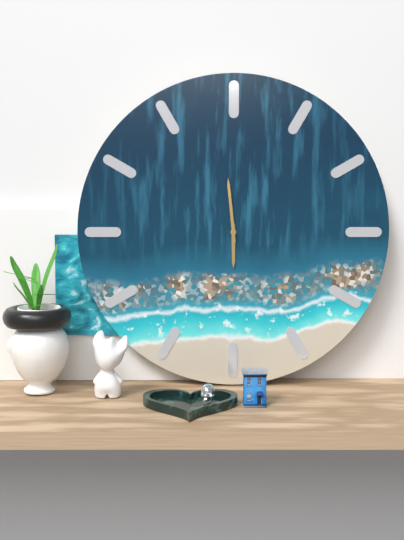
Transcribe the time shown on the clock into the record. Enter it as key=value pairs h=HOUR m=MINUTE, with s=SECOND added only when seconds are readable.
h=5 m=59
